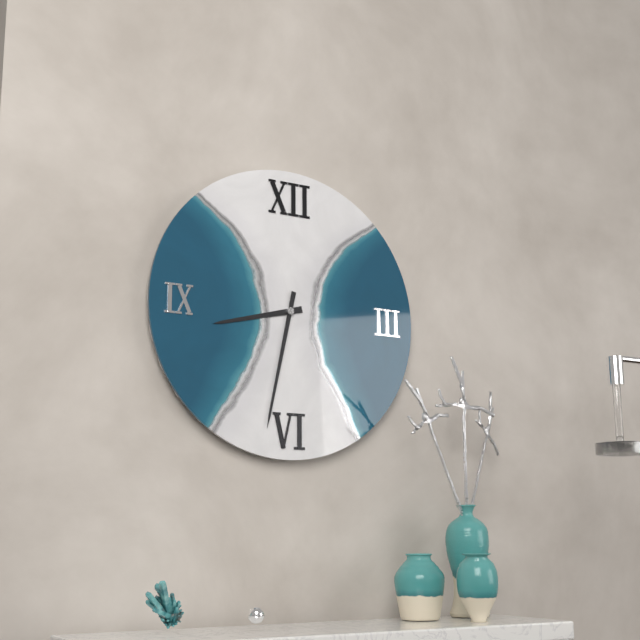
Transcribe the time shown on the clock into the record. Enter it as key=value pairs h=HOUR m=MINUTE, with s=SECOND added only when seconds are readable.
h=8 m=32
